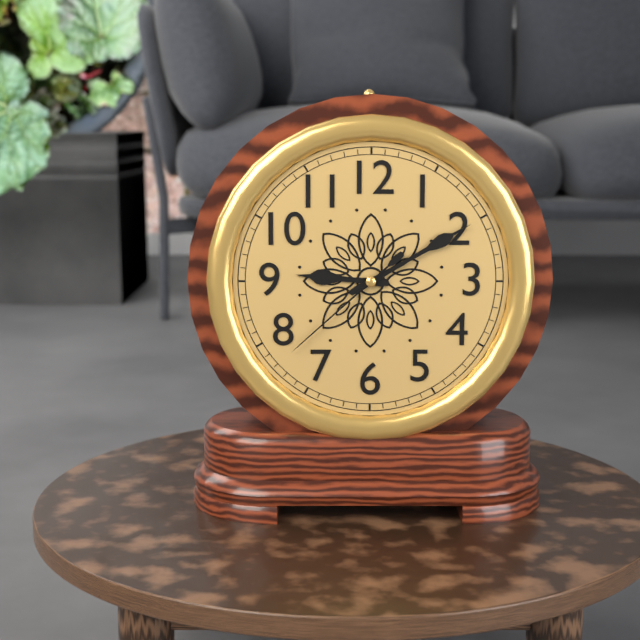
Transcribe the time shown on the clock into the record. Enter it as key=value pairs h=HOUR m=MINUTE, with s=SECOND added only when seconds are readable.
h=9 m=10 s=38
